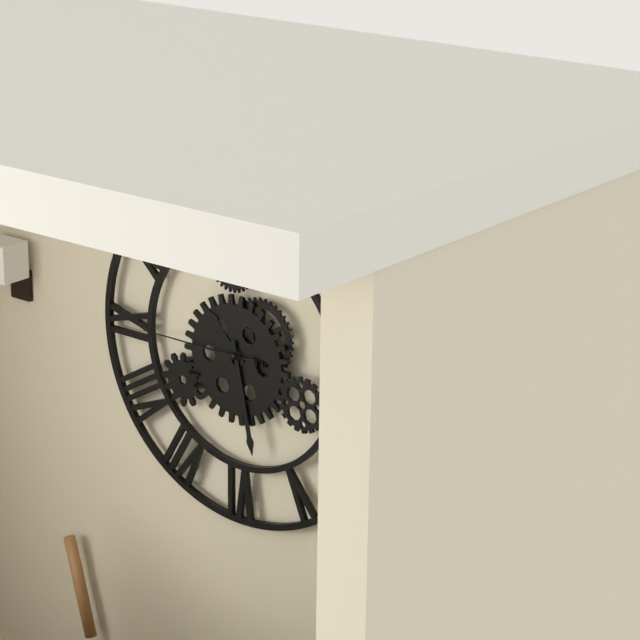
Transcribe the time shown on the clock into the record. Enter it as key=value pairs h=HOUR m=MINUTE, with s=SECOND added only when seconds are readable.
h=10 m=28 s=45
